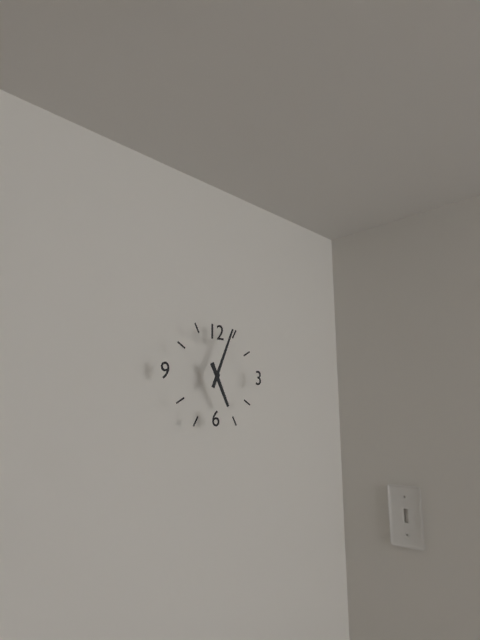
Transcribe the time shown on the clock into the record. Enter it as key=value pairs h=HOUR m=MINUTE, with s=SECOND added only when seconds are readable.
h=5 m=4
